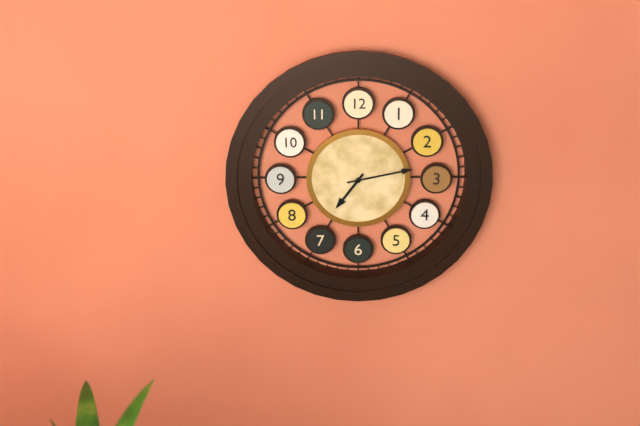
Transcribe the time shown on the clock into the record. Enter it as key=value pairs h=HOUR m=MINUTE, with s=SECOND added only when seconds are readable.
h=7 m=13
